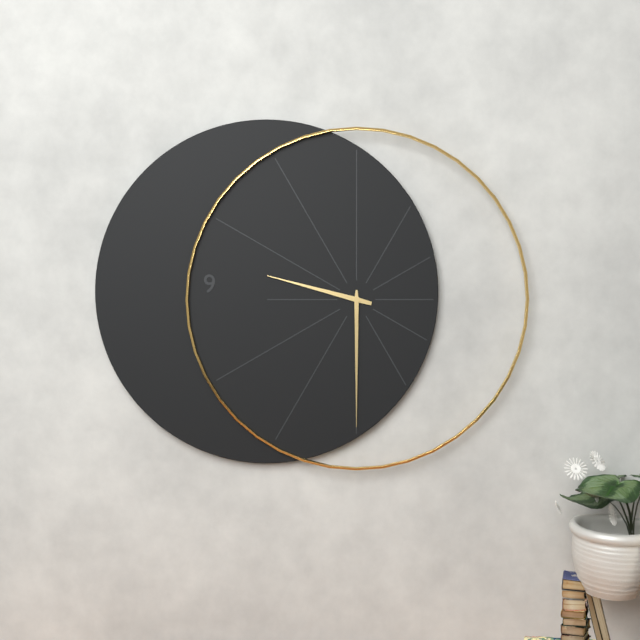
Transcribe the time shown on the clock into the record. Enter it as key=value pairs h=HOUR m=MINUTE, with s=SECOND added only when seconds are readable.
h=9 m=30
